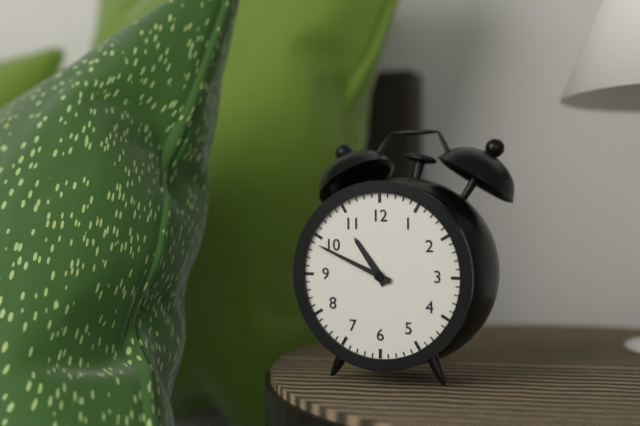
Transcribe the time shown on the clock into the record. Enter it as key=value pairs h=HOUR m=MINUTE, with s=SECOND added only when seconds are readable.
h=10 m=49
